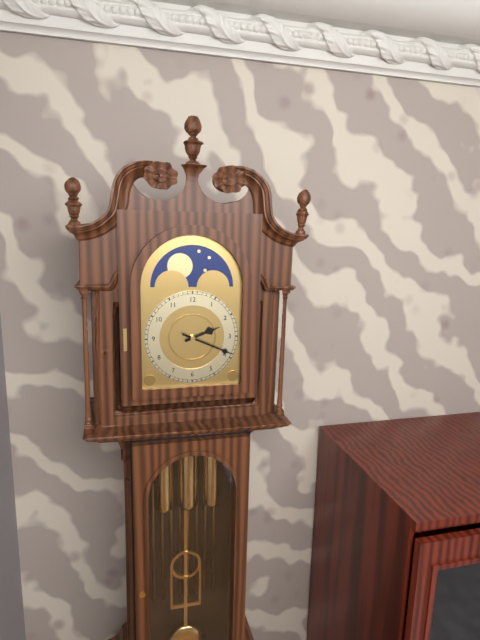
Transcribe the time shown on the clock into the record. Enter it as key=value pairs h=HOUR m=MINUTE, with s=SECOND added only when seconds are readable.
h=2 m=19
